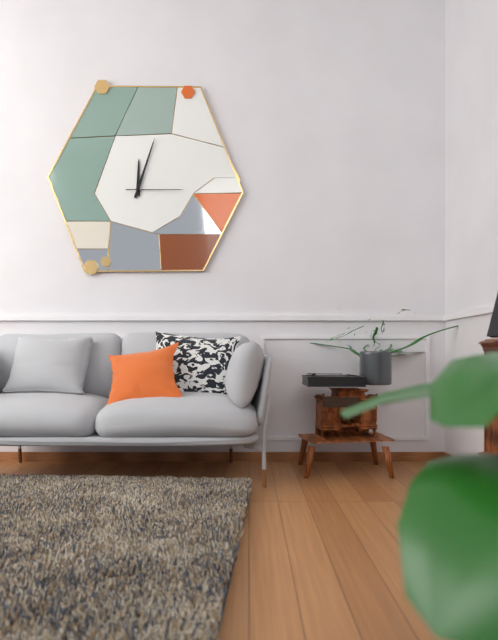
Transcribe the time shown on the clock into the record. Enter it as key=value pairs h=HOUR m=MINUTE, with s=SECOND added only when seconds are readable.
h=12 m=3 s=15
